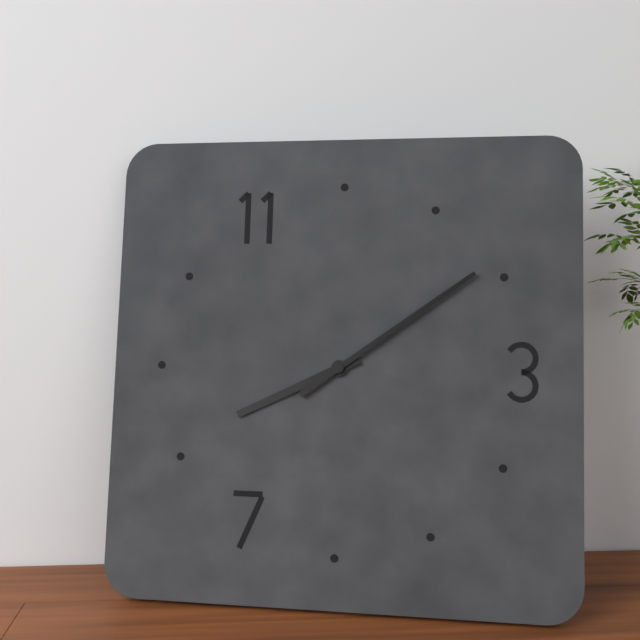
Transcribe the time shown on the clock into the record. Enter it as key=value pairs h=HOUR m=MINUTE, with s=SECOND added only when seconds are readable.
h=8 m=9
